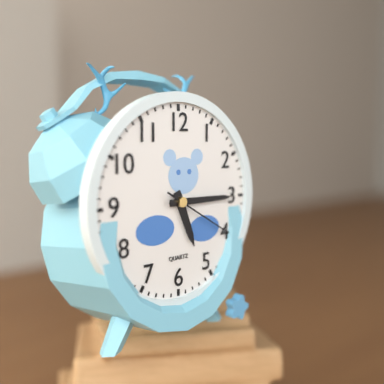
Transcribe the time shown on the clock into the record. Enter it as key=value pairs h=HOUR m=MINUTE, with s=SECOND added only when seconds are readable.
h=5 m=15 s=20
